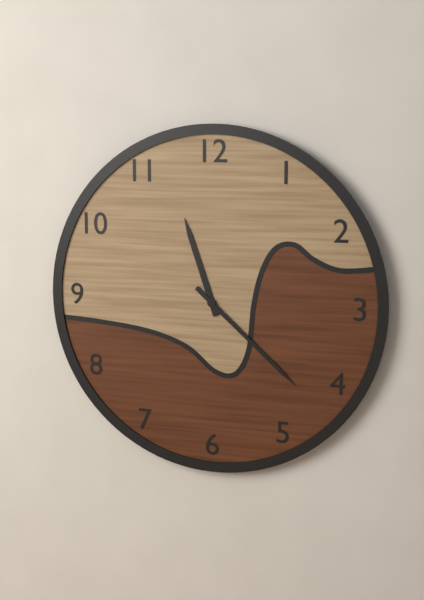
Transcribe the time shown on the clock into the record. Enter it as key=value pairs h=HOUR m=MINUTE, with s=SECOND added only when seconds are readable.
h=11 m=22
